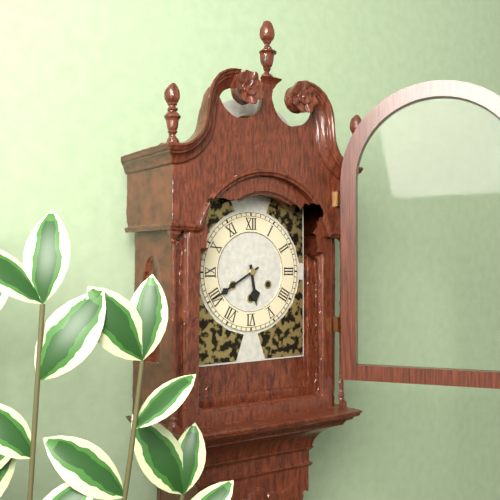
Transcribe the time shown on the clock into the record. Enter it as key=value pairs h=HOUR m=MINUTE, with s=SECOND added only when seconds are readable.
h=5 m=40
